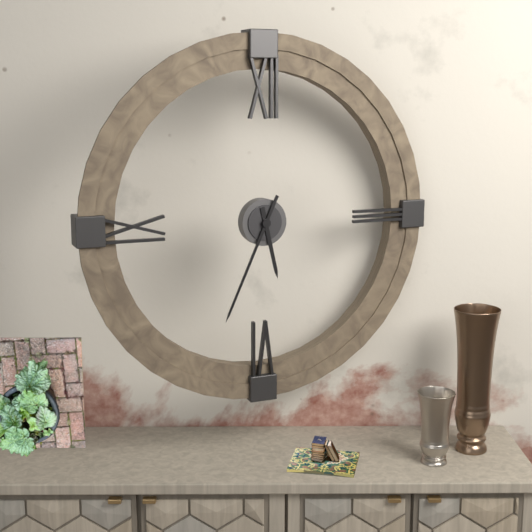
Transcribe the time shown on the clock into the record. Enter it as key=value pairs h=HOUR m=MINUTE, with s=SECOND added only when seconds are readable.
h=5 m=34
